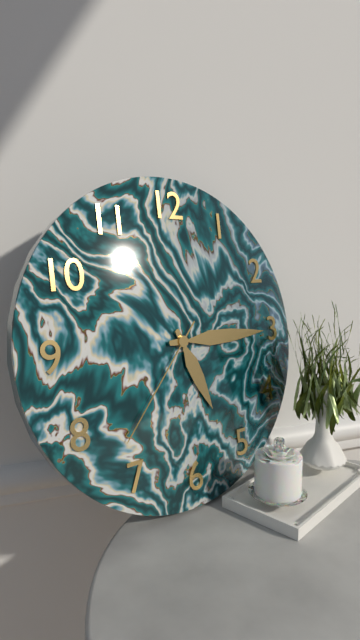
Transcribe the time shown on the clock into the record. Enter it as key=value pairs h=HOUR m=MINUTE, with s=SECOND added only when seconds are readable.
h=5 m=15 s=37
